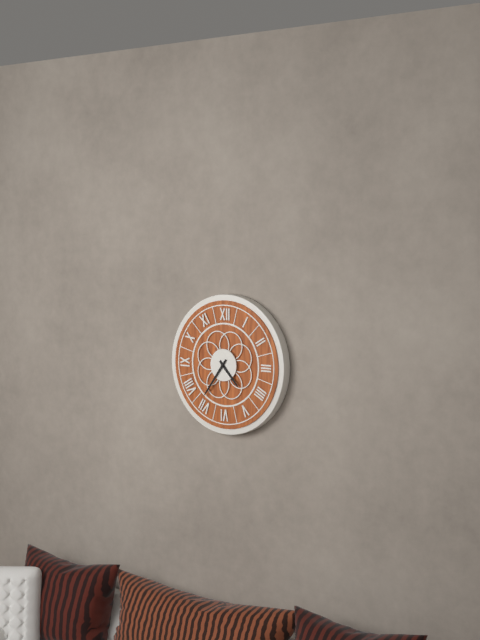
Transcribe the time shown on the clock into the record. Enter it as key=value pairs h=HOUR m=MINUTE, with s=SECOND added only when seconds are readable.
h=4 m=36
